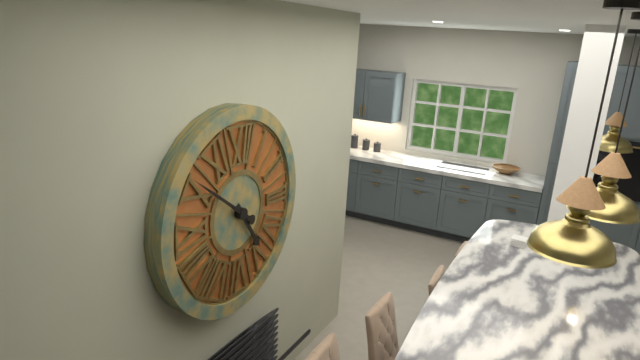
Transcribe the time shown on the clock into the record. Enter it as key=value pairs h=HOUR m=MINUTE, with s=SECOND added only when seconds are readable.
h=4 m=51
